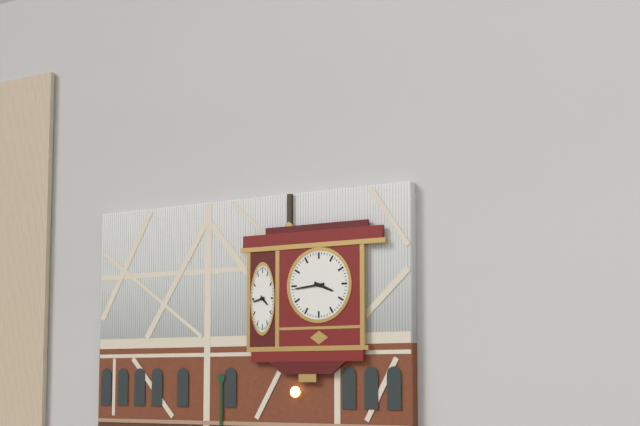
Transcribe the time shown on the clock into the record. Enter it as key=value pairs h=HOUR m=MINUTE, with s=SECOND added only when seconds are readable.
h=3 m=44
